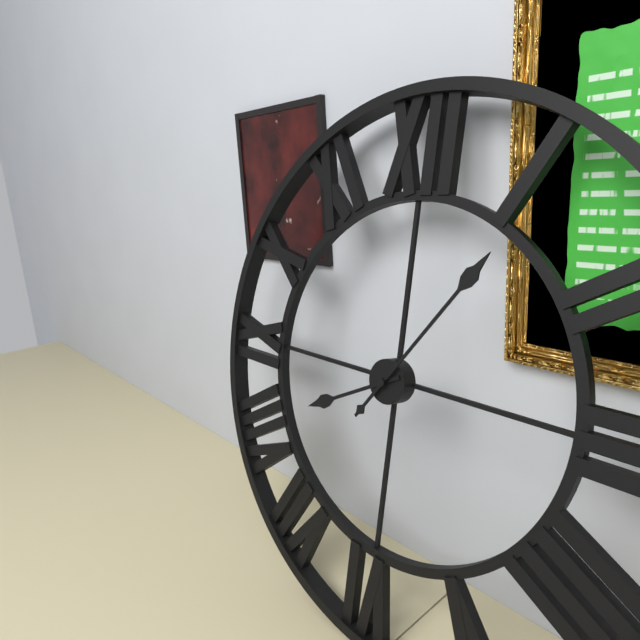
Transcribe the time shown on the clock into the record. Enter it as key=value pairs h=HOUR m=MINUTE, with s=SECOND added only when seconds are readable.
h=8 m=6
